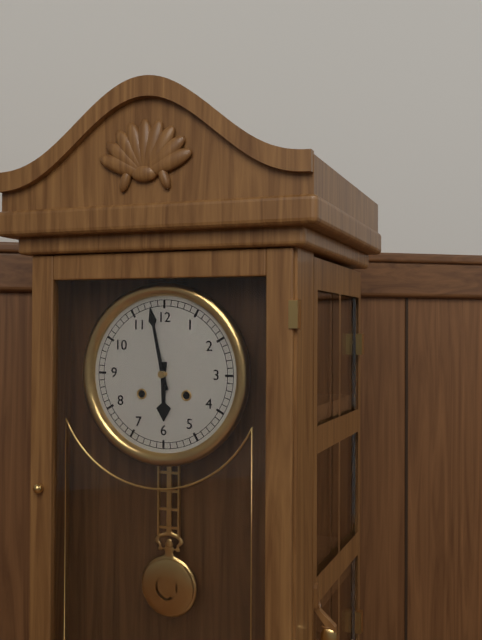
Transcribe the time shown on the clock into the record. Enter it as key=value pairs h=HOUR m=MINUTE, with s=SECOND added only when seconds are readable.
h=5 m=58
